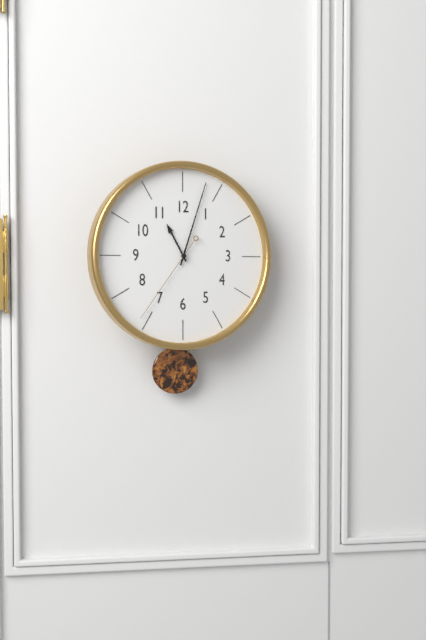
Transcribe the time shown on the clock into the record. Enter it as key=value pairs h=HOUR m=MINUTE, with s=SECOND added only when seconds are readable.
h=11 m=3 s=36
